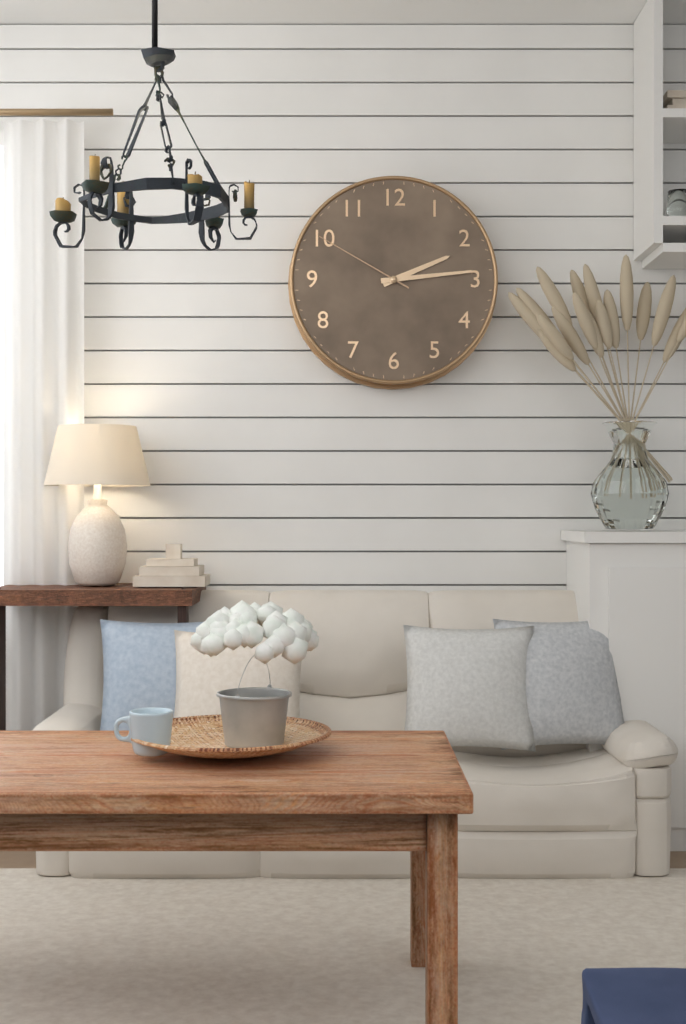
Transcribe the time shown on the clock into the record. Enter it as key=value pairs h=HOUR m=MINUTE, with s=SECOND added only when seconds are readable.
h=2 m=14 s=50
